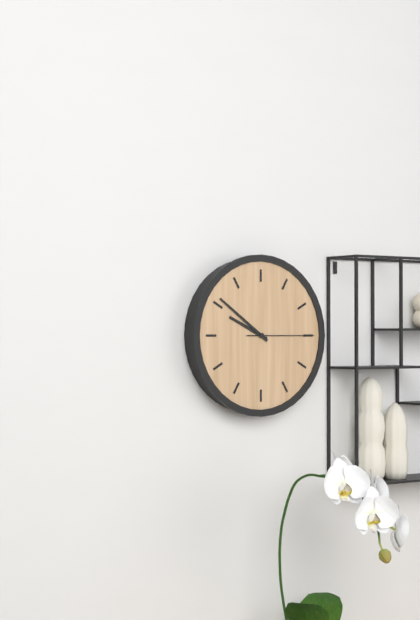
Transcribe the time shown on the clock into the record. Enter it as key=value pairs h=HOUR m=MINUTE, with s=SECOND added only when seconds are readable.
h=9 m=51 s=15
